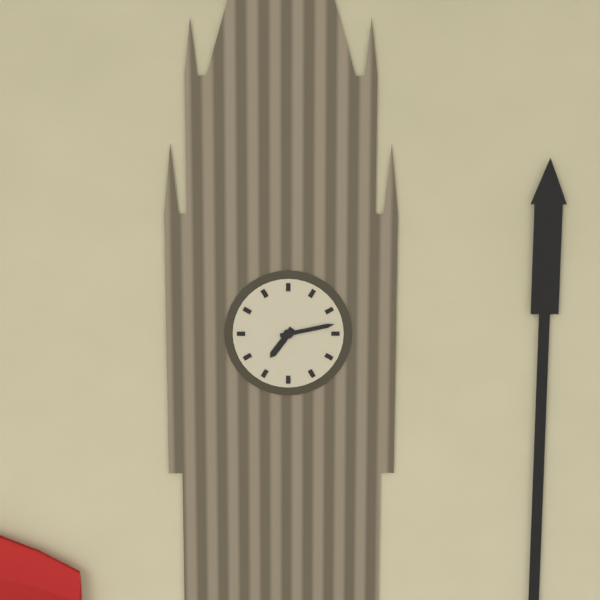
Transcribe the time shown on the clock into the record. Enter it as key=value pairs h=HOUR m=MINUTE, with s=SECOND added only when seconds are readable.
h=7 m=13
